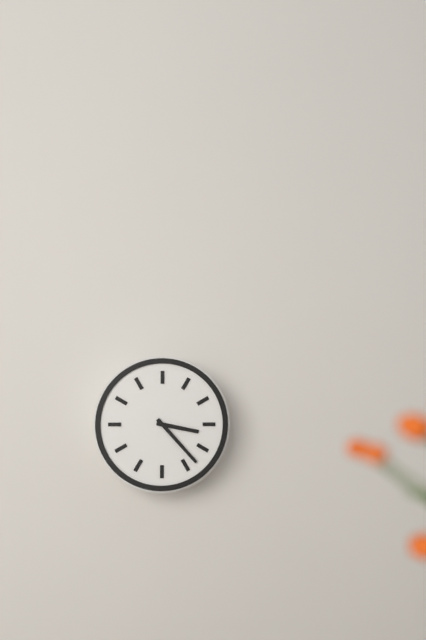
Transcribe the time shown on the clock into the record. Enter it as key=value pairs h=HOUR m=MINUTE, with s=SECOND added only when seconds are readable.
h=3 m=23
